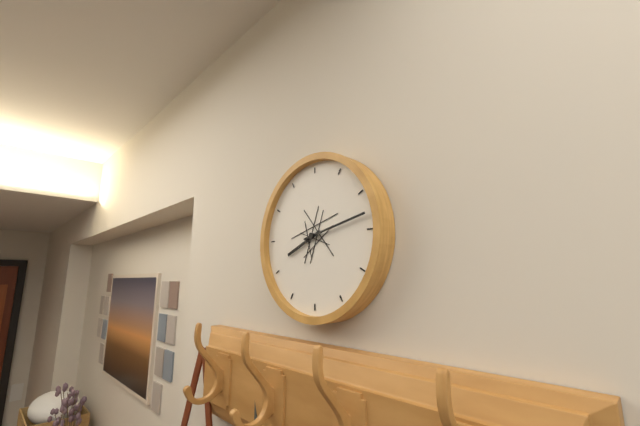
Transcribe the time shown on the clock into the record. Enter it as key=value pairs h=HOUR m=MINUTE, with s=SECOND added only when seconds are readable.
h=8 m=13
